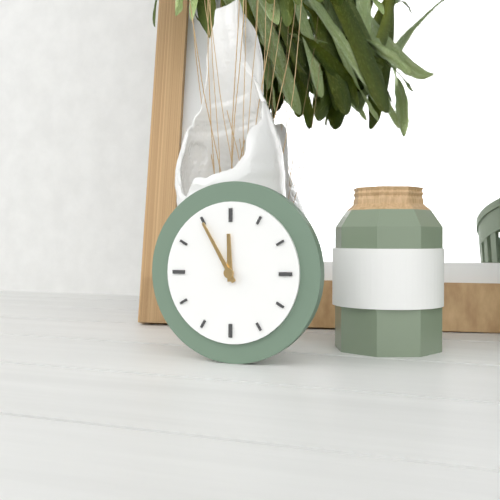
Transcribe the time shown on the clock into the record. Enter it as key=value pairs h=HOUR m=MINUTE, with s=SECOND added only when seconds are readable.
h=11 m=55
